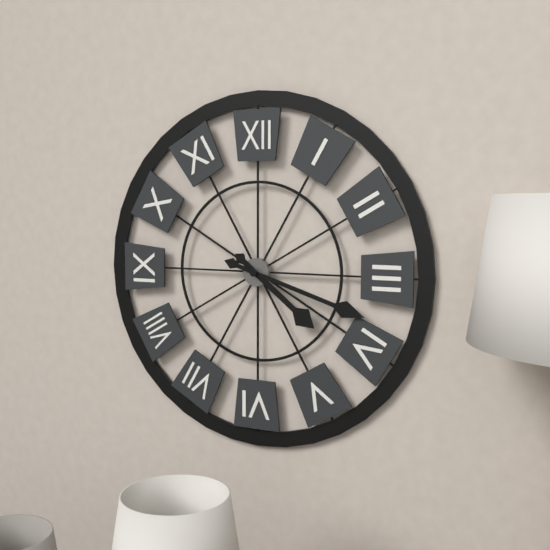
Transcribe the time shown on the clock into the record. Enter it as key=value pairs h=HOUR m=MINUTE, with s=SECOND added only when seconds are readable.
h=4 m=18
